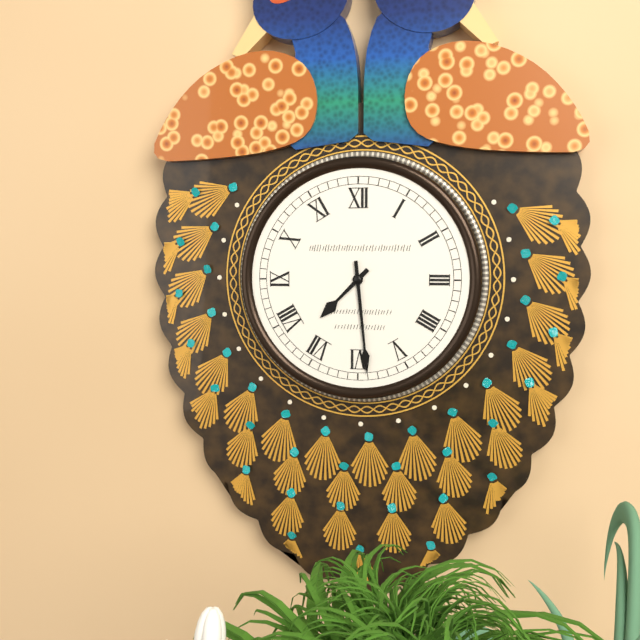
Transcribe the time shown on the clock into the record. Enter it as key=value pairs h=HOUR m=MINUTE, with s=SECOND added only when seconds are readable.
h=7 m=29
